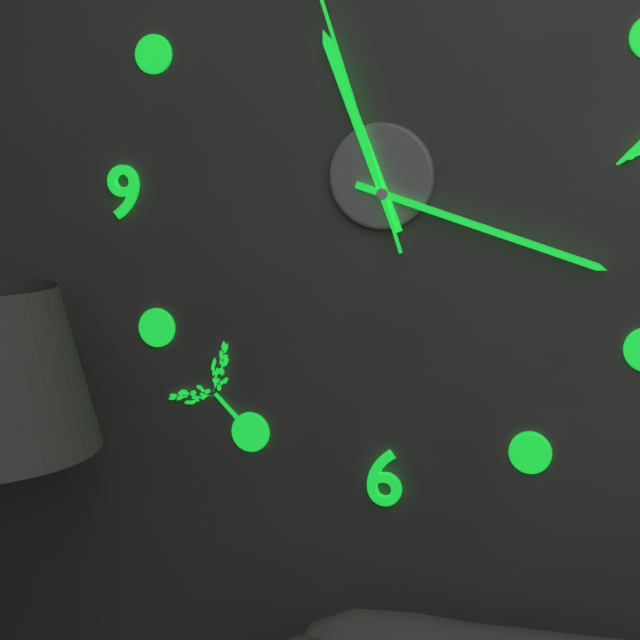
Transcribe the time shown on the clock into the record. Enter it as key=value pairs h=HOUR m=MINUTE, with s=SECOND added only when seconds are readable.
h=11 m=18
